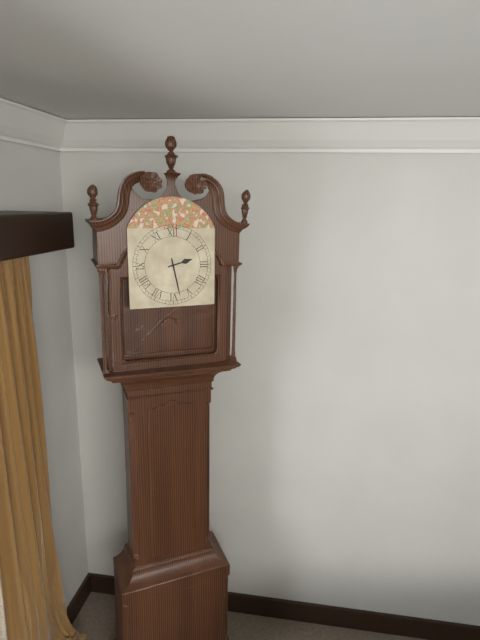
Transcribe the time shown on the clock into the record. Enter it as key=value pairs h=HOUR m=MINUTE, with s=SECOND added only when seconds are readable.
h=2 m=28
